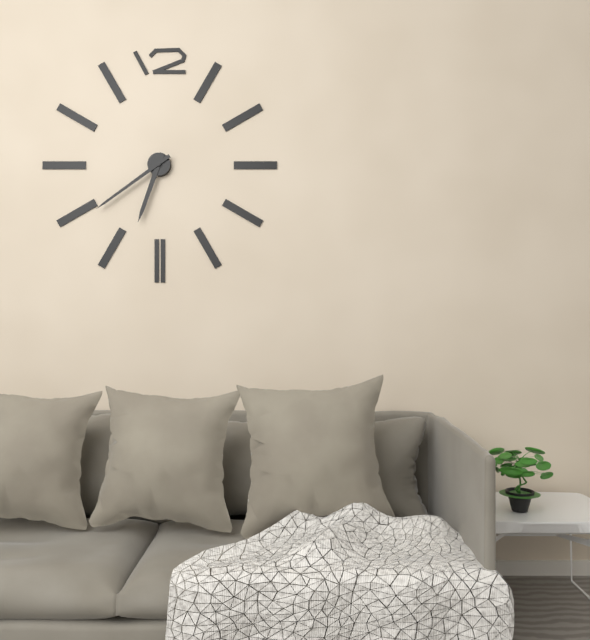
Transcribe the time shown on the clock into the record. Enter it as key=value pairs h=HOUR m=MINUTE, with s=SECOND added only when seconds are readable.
h=6 m=39
